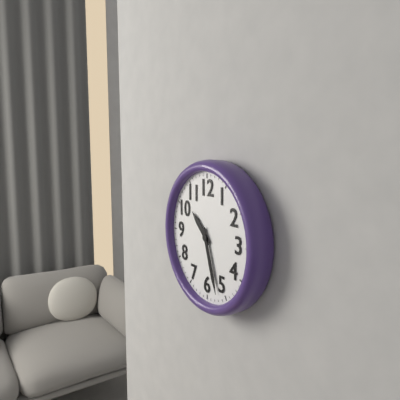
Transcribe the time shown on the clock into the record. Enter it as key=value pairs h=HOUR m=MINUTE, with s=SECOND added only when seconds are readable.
h=10 m=27
